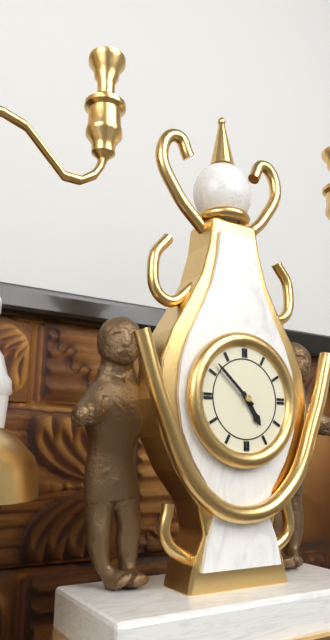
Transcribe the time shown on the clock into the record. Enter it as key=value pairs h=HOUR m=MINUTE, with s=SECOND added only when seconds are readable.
h=4 m=52
